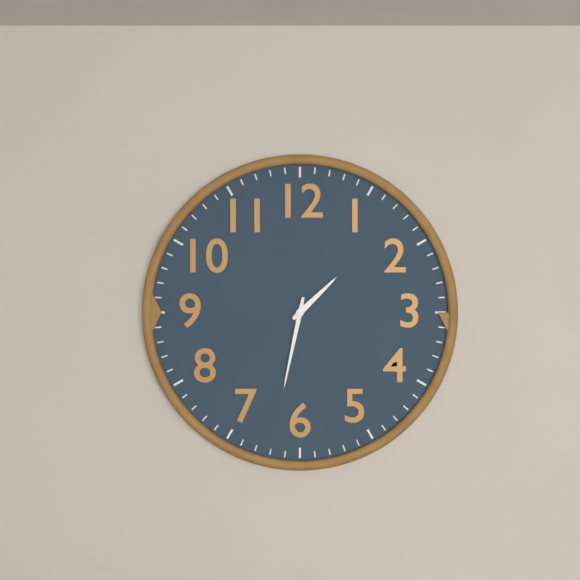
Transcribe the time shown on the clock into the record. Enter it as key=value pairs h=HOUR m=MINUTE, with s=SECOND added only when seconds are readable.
h=1 m=32
